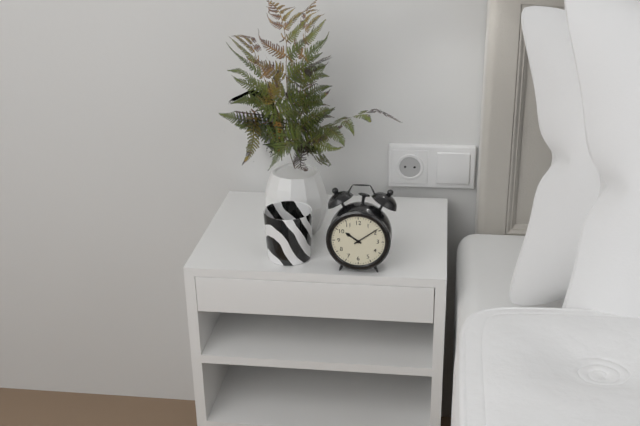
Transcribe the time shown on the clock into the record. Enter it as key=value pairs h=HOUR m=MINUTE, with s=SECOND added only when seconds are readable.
h=10 m=9
